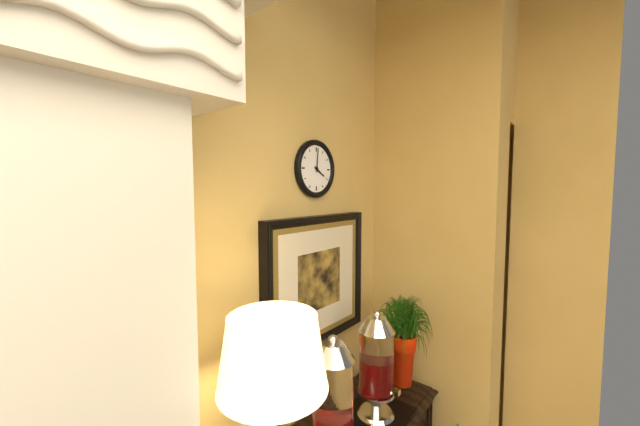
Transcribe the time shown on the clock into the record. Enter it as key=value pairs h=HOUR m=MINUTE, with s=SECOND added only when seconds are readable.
h=4 m=1
